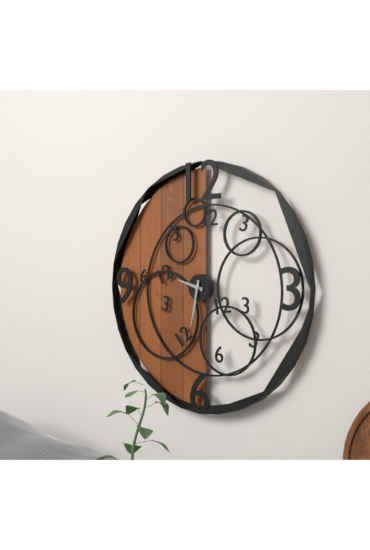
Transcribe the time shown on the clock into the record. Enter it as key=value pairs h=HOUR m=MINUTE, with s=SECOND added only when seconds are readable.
h=9 m=32
